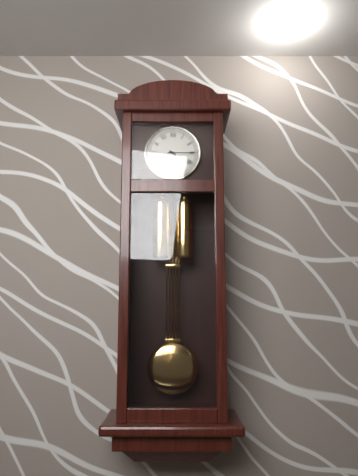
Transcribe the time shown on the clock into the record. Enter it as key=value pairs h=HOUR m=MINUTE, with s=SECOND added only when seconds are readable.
h=4 m=15
